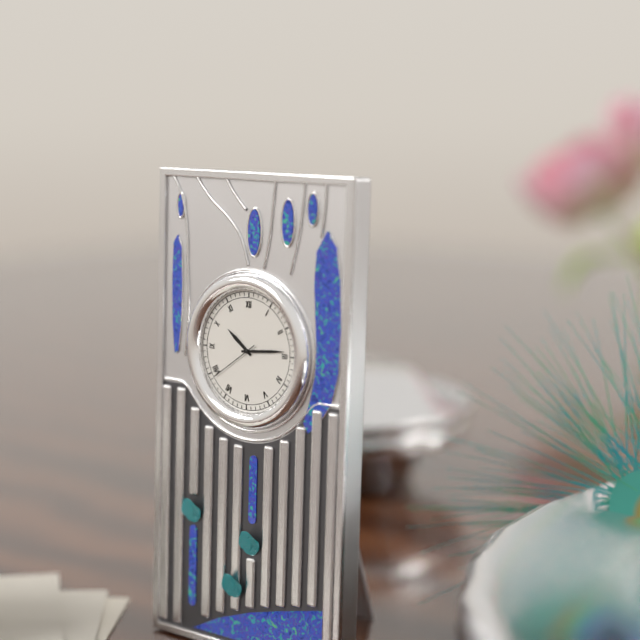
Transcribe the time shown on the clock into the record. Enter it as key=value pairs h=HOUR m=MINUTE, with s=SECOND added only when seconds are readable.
h=10 m=14 s=39
